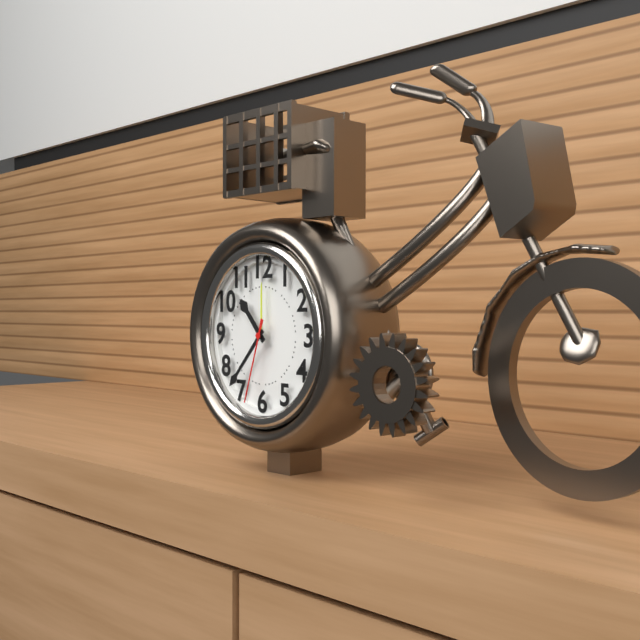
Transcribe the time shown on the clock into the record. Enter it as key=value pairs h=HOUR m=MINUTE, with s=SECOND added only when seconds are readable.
h=10 m=37 s=33
